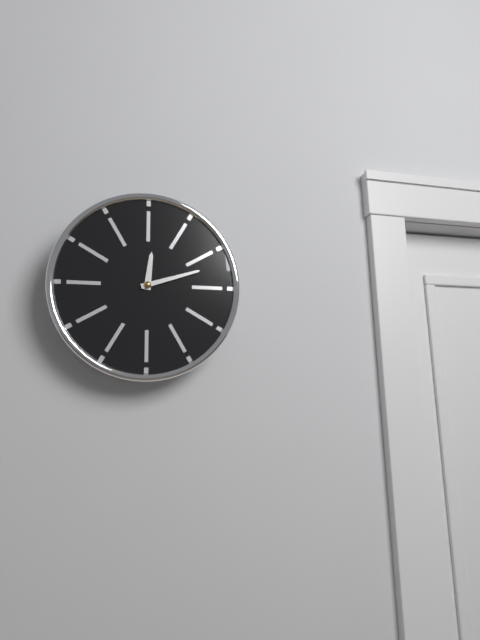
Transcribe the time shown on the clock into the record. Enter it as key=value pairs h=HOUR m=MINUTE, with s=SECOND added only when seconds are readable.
h=12 m=12
